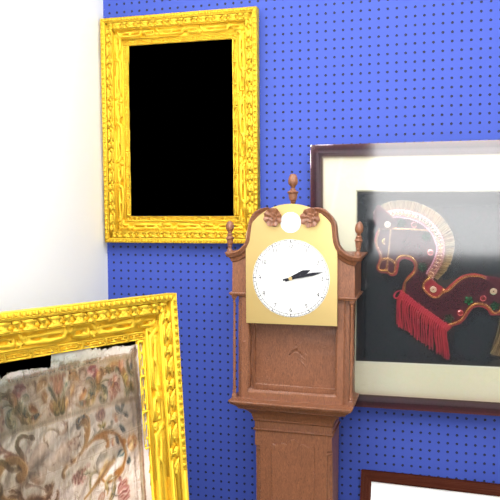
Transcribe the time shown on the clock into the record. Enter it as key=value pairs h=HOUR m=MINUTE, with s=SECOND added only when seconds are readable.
h=2 m=13
